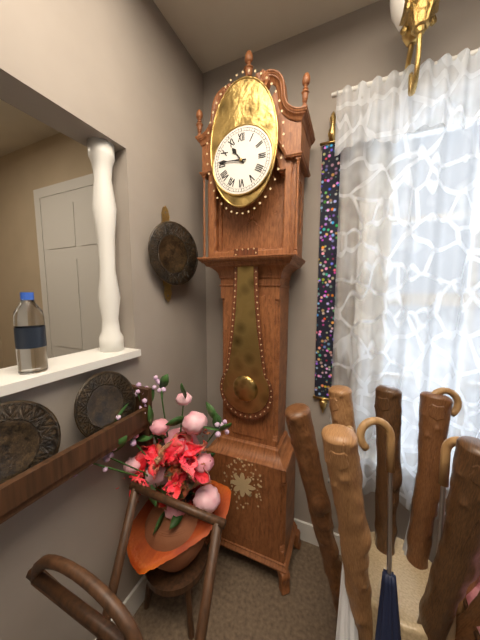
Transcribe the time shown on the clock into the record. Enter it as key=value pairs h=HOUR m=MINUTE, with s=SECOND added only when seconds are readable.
h=10 m=46
